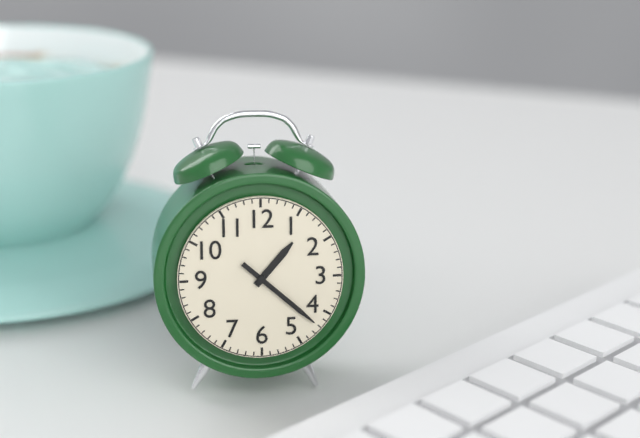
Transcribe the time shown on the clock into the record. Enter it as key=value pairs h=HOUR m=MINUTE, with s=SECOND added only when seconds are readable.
h=1 m=22
